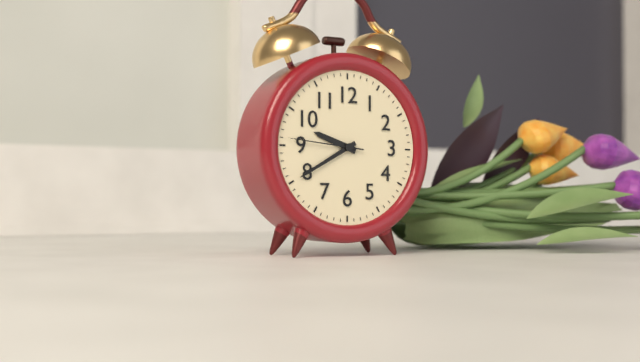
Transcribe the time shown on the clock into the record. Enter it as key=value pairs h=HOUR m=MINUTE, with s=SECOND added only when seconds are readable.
h=9 m=40 s=46
